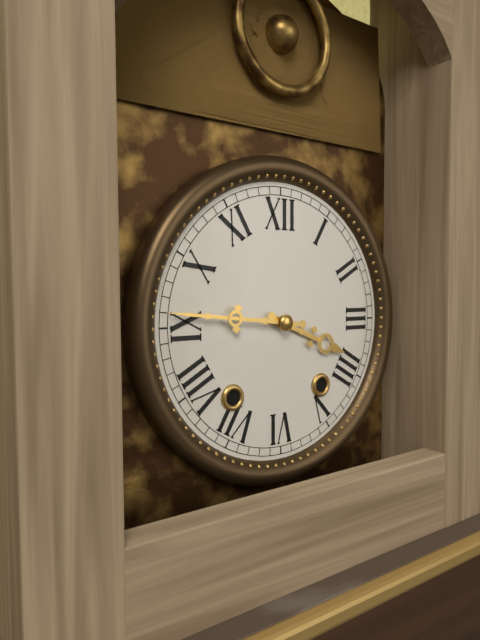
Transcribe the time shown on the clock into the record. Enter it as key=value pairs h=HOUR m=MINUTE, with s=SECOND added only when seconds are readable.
h=3 m=46
